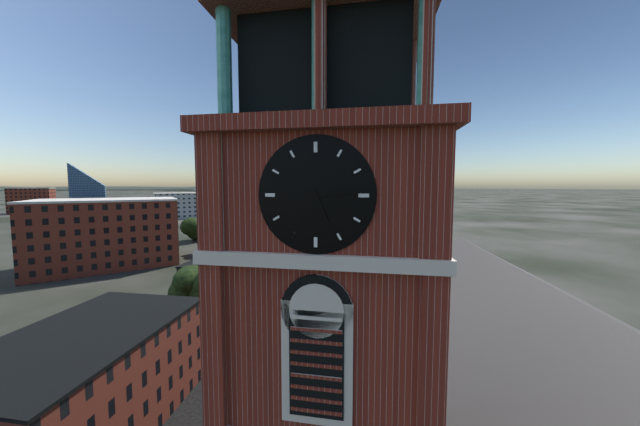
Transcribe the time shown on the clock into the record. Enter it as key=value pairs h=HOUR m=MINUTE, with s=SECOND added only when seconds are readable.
h=5 m=14
